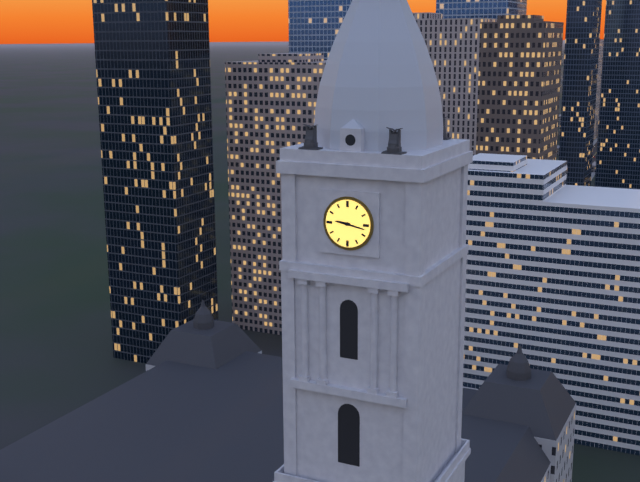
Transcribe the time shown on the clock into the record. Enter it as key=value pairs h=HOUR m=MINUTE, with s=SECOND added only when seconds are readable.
h=9 m=17
